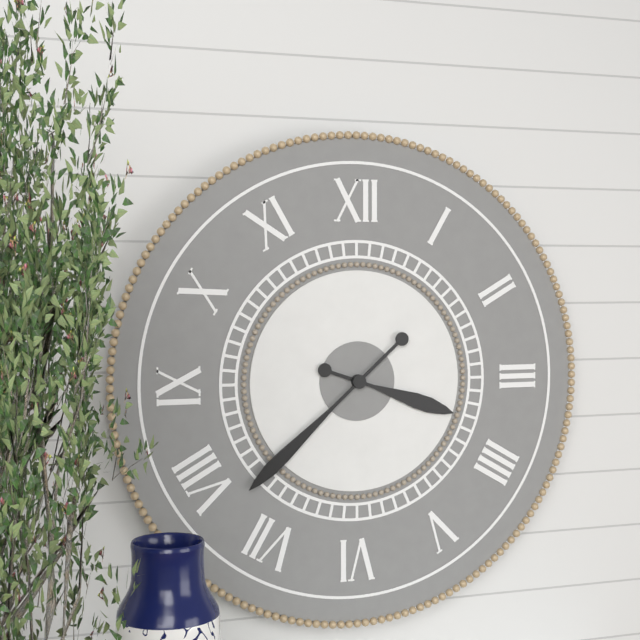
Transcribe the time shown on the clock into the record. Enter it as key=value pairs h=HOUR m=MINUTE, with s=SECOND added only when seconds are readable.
h=3 m=38
